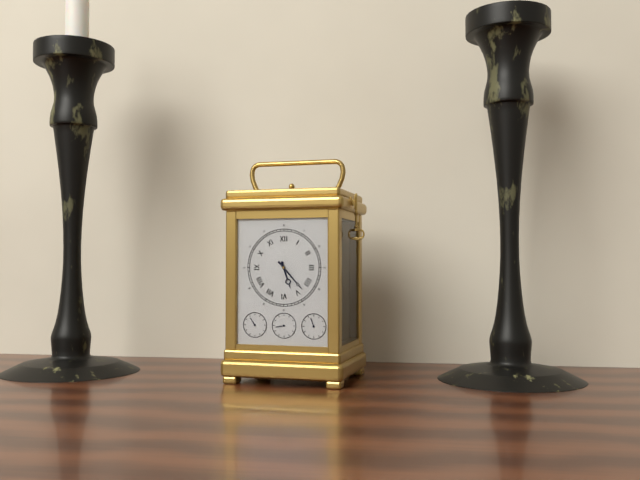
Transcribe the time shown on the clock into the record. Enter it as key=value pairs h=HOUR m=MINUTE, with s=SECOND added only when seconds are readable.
h=5 m=23
